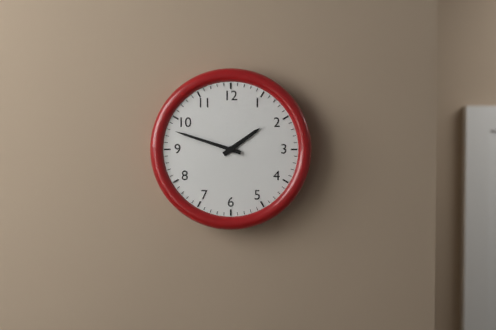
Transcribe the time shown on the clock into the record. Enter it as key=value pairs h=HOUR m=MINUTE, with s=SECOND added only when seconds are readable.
h=1 m=48
